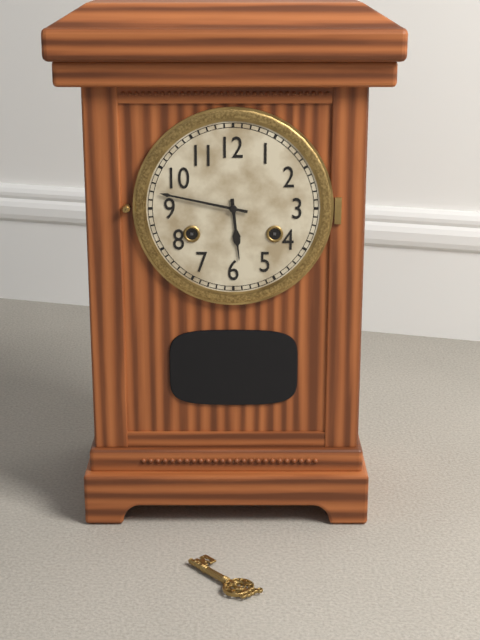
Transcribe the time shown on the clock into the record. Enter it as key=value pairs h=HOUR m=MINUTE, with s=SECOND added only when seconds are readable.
h=5 m=47
